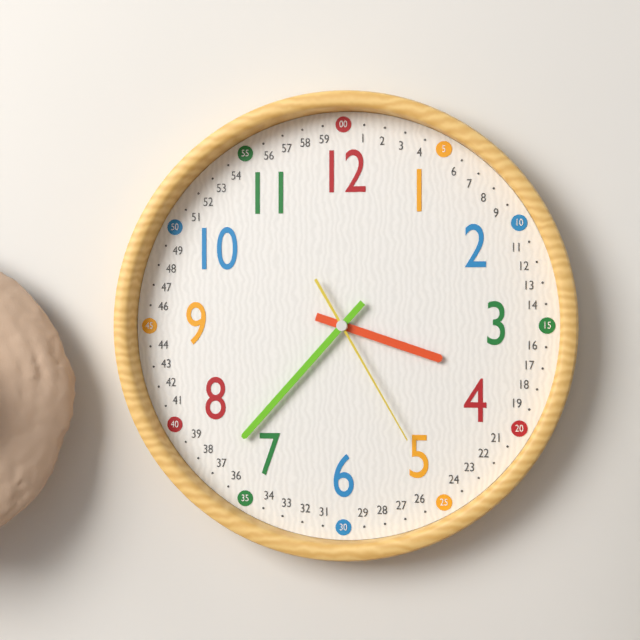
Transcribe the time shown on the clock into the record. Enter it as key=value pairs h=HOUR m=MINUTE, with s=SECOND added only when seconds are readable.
h=3 m=37 s=25
